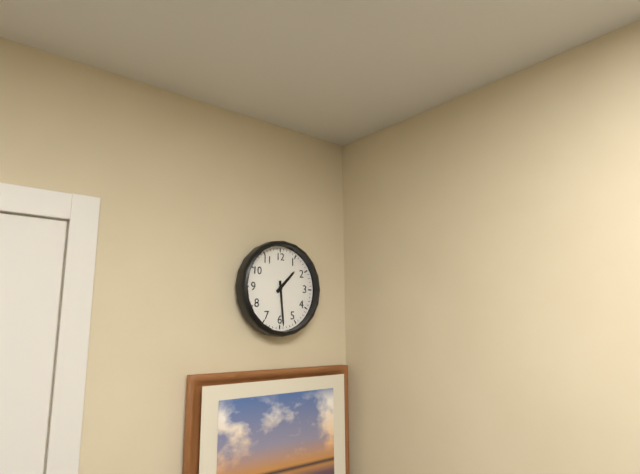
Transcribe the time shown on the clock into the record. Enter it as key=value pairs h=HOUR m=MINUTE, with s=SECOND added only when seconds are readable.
h=1 m=29
